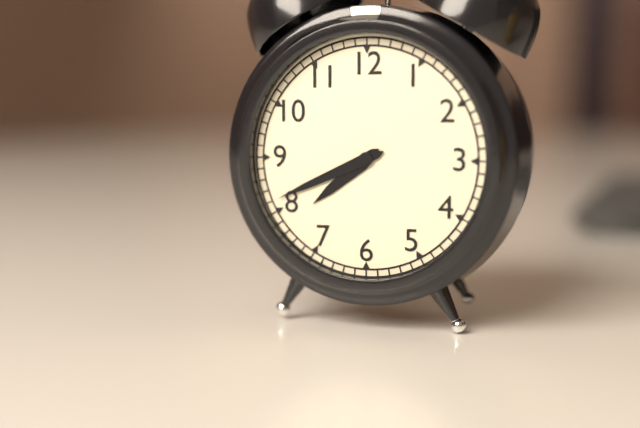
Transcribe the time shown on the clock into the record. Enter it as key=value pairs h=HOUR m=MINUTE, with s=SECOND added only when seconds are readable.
h=7 m=41
